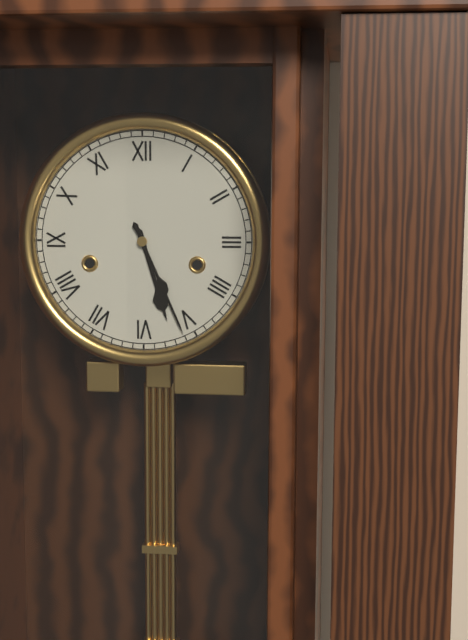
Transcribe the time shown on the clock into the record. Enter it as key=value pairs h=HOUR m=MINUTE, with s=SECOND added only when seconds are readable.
h=5 m=26
